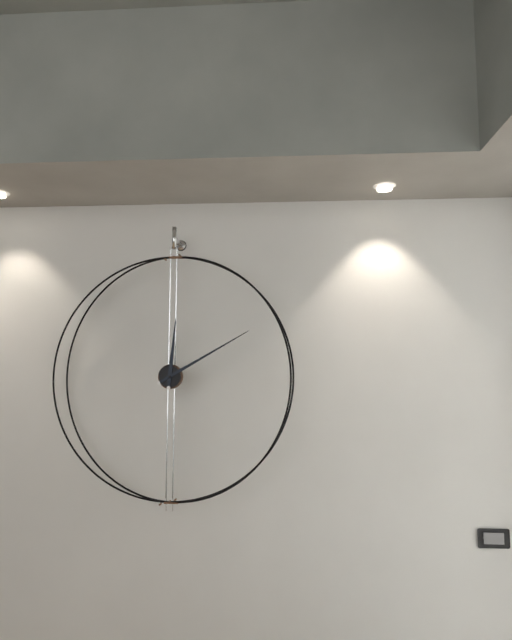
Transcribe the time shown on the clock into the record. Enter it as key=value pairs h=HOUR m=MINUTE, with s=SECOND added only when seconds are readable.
h=12 m=10
